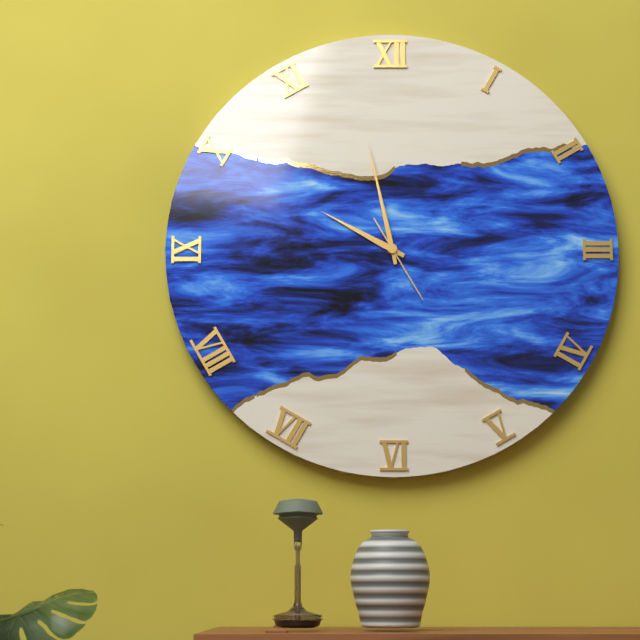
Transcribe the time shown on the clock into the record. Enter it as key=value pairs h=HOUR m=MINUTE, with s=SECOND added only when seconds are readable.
h=9 m=58 s=25
